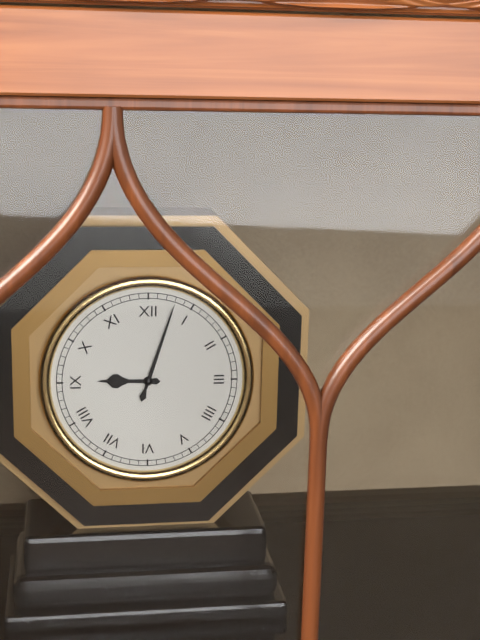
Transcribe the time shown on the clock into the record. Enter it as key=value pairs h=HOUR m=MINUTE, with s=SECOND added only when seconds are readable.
h=9 m=3
